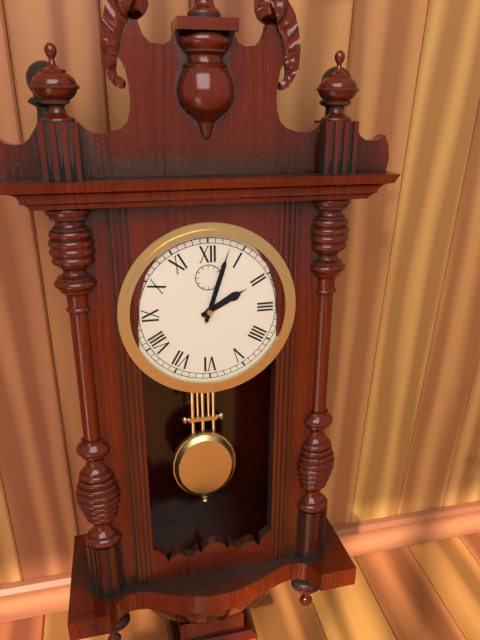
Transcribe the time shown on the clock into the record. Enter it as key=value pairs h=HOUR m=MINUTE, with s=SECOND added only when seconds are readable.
h=2 m=3
